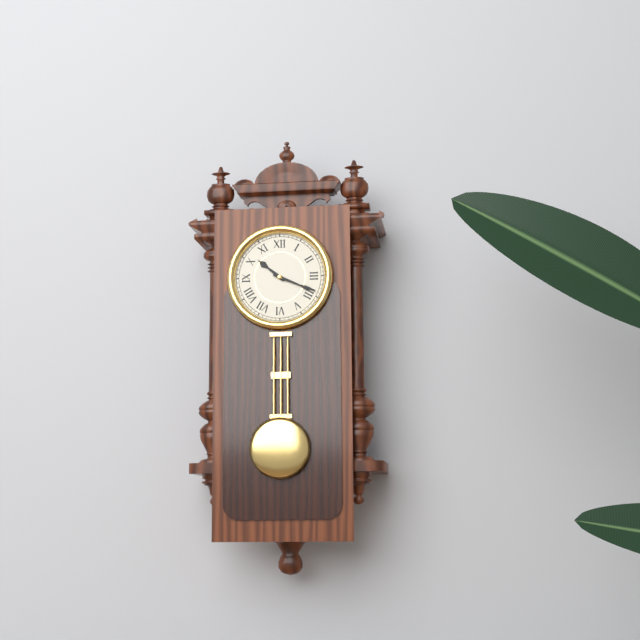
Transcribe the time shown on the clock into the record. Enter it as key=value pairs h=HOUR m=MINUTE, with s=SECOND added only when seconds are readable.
h=10 m=19
